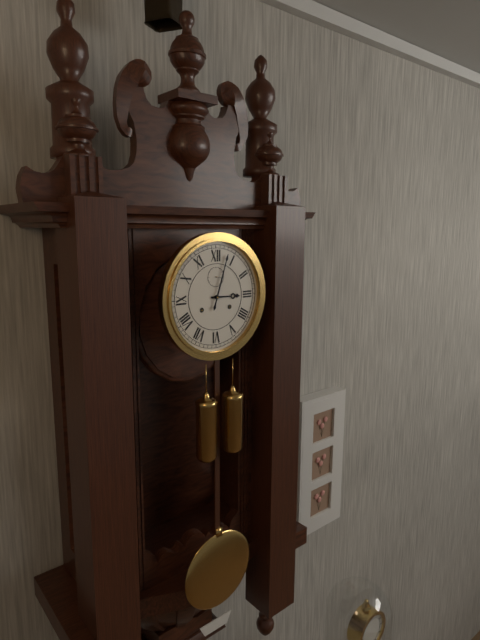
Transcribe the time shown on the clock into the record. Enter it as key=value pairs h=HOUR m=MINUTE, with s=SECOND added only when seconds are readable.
h=3 m=3
